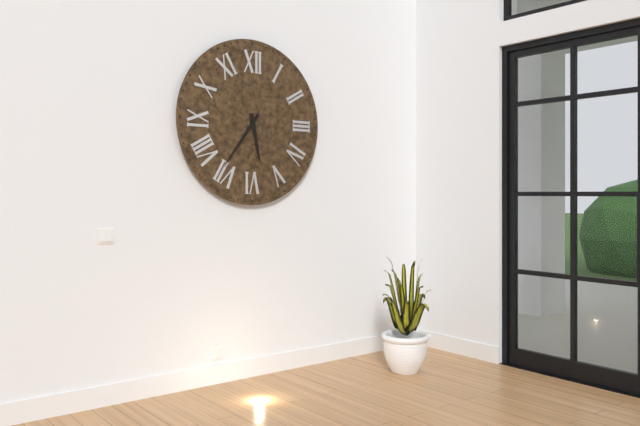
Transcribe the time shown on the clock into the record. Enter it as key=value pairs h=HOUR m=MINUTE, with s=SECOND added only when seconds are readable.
h=5 m=36
